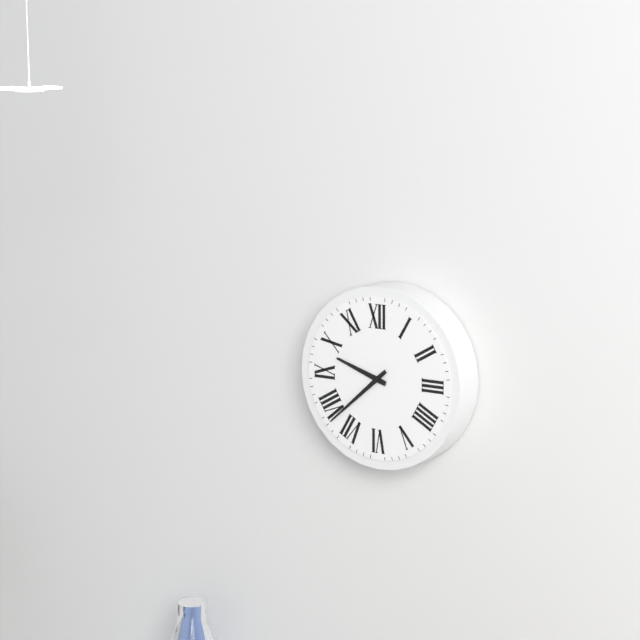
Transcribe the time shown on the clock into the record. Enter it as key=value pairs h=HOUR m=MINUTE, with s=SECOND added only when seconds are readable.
h=9 m=38
